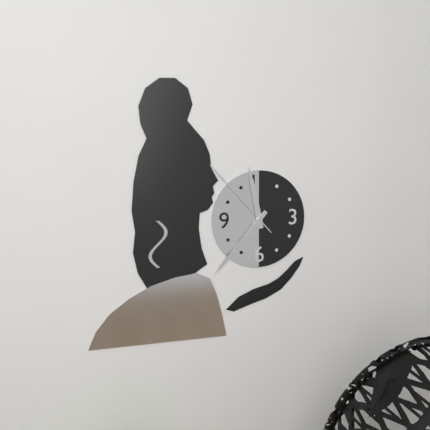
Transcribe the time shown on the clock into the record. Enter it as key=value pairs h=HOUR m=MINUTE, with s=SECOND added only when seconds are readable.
h=11 m=37 s=53
